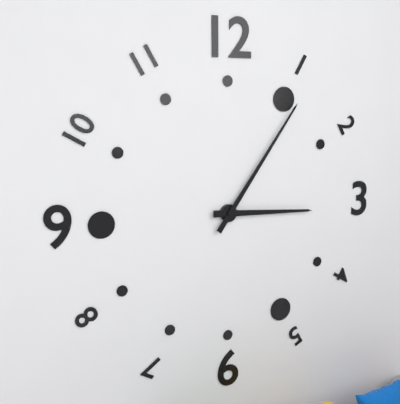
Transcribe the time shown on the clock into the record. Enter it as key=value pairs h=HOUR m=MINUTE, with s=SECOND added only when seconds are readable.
h=3 m=6
